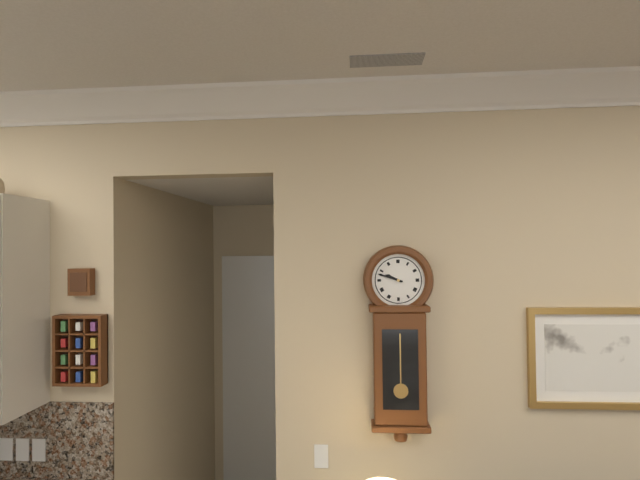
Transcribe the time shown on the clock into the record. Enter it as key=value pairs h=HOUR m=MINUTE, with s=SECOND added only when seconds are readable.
h=9 m=48
